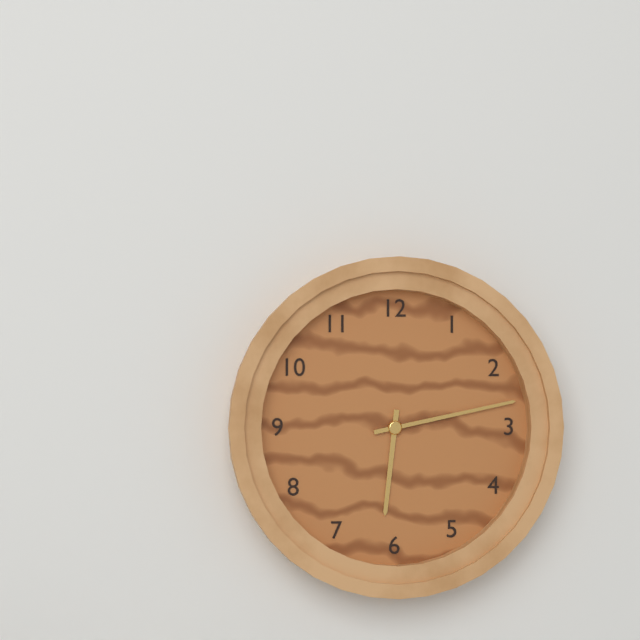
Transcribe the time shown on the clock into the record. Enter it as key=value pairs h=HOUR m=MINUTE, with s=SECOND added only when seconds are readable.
h=6 m=13
